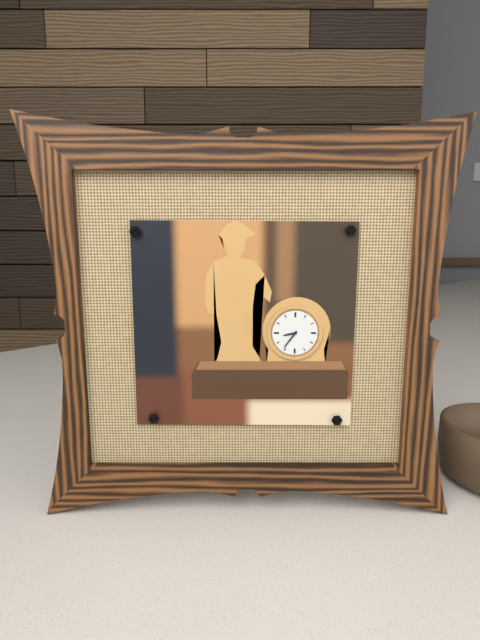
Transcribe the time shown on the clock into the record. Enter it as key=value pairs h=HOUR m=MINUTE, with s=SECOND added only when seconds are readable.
h=8 m=36
